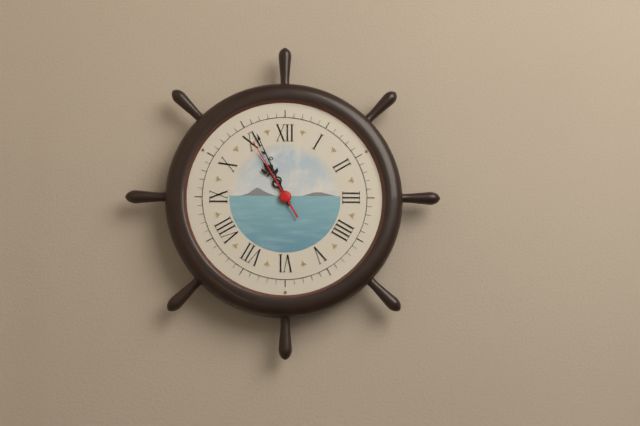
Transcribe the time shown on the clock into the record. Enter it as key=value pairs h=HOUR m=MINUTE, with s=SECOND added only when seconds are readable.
h=10 m=56 s=55
